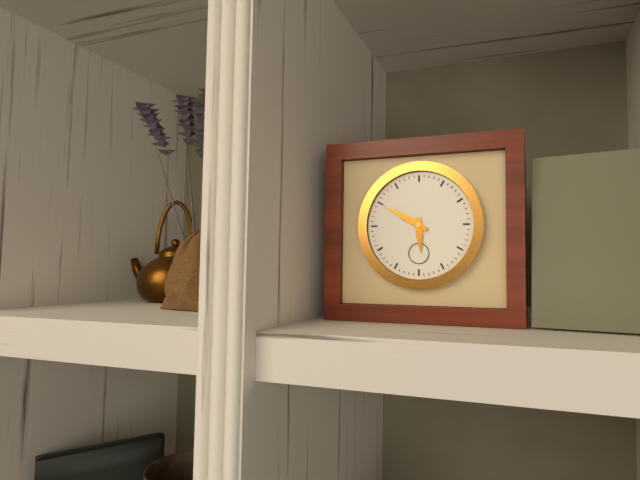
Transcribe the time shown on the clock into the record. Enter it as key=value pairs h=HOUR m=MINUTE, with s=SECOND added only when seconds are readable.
h=5 m=50
